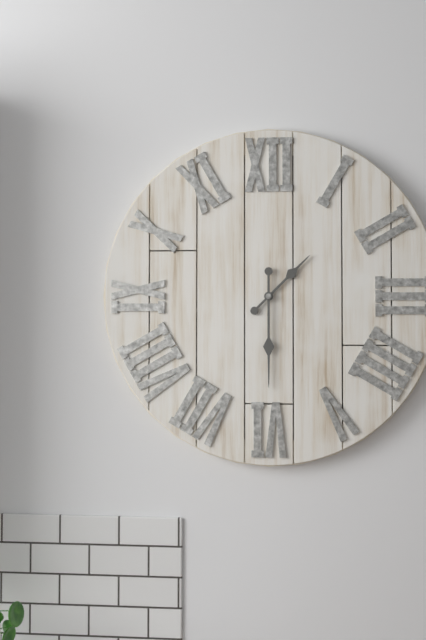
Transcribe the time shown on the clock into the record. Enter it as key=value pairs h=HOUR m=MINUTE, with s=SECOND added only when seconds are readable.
h=1 m=30
